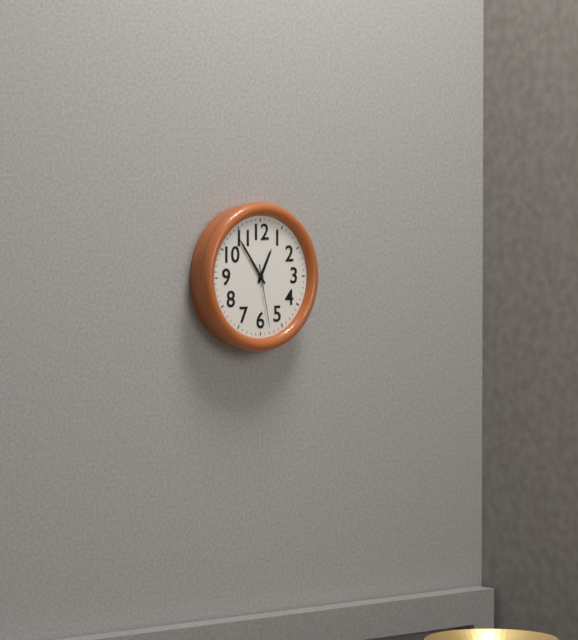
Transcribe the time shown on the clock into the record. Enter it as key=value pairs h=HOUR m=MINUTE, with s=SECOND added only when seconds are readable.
h=12 m=54 s=28
